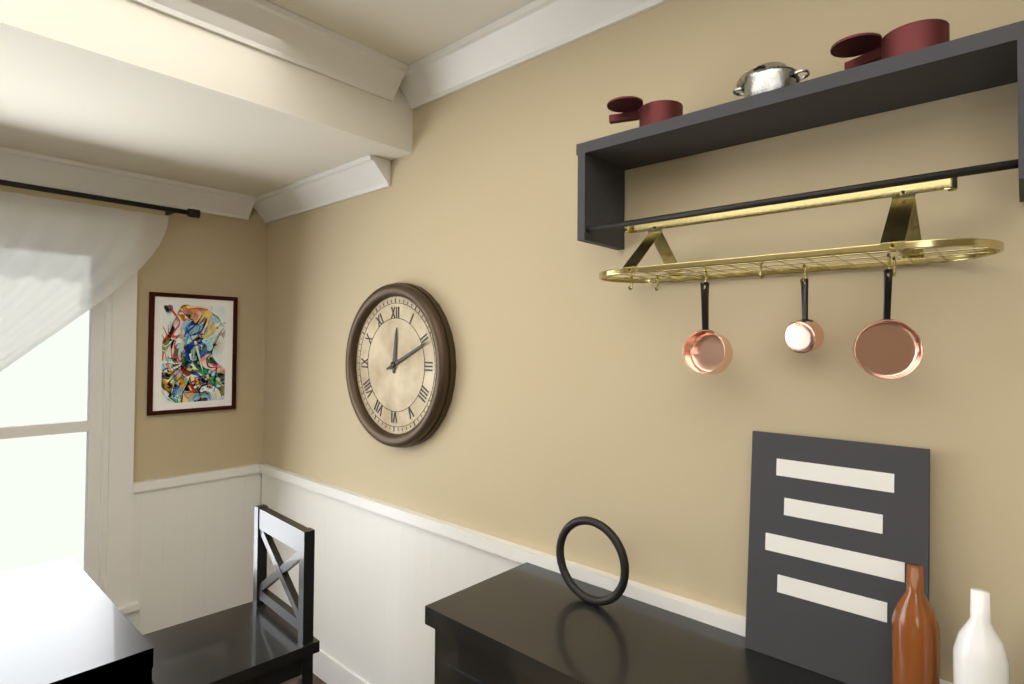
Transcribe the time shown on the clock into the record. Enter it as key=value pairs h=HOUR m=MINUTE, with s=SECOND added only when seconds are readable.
h=12 m=11
